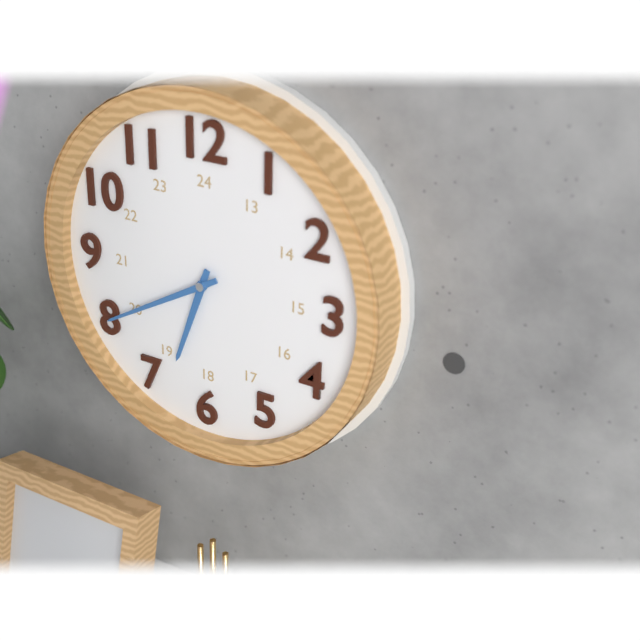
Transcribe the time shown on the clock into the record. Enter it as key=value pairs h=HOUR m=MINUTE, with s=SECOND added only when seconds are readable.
h=6 m=40
